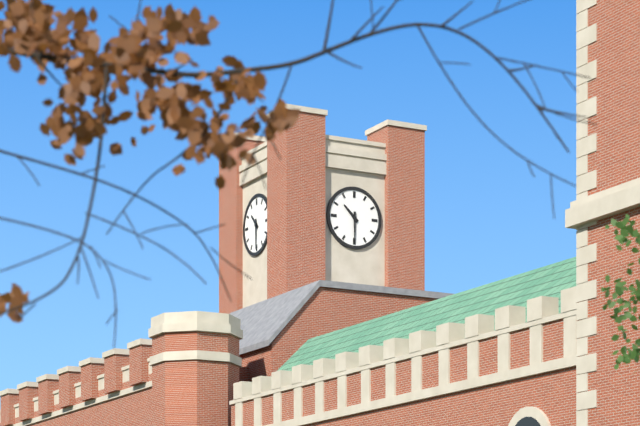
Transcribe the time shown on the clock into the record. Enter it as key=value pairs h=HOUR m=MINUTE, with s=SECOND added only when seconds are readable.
h=10 m=30
